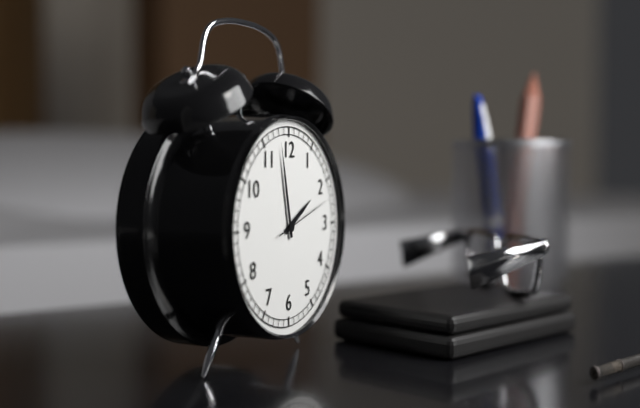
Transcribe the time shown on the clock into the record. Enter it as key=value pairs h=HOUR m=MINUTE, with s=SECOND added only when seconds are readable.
h=1 m=58 s=12
